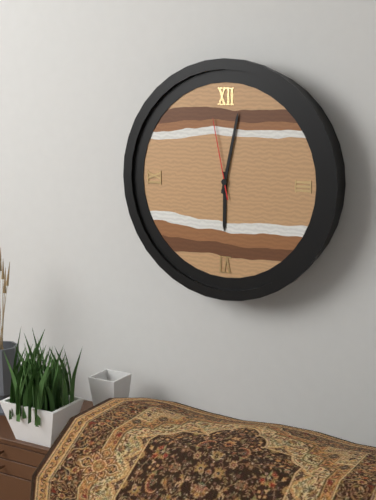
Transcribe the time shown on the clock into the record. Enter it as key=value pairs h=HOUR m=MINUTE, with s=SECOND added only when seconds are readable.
h=6 m=2 s=58
